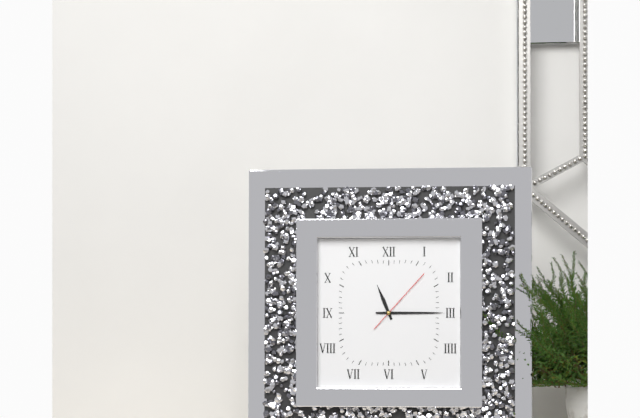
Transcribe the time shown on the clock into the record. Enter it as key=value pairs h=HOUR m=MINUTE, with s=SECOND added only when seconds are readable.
h=11 m=15 s=7
